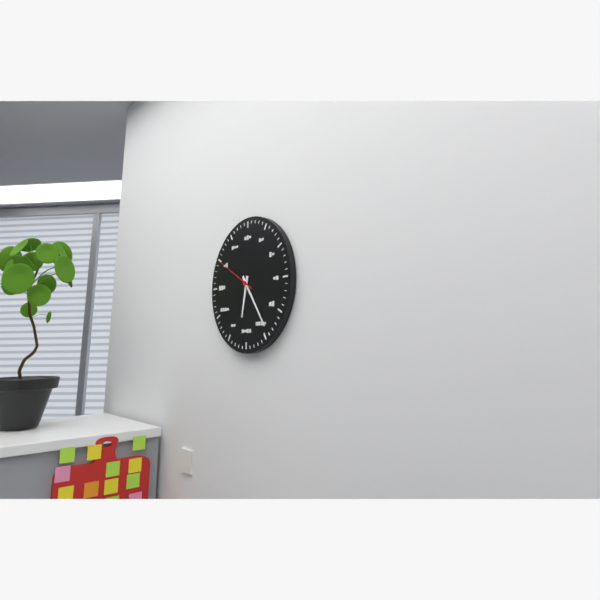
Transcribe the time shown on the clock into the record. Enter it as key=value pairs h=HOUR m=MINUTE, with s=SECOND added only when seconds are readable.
h=6 m=24 s=50
